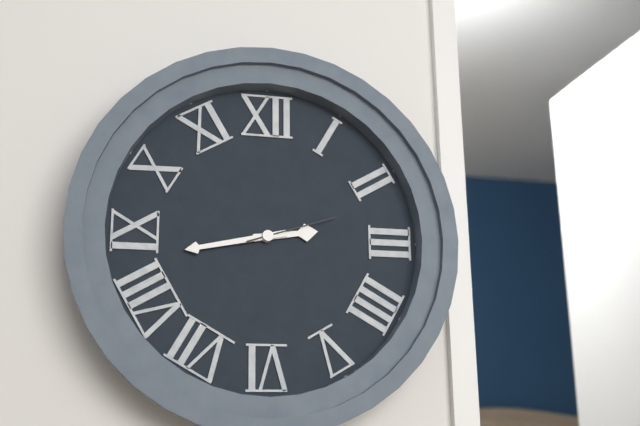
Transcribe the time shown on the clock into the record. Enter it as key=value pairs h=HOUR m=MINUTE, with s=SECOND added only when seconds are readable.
h=2 m=43 s=12
